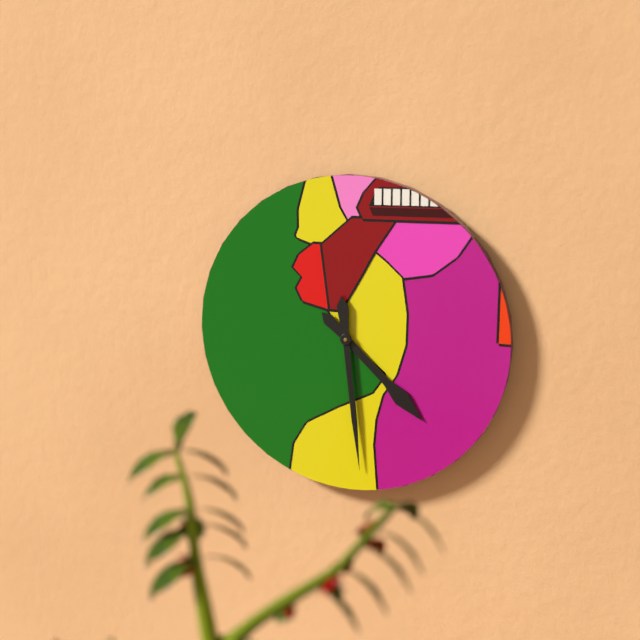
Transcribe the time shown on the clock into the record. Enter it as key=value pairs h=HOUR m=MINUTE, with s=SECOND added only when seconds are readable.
h=4 m=29
